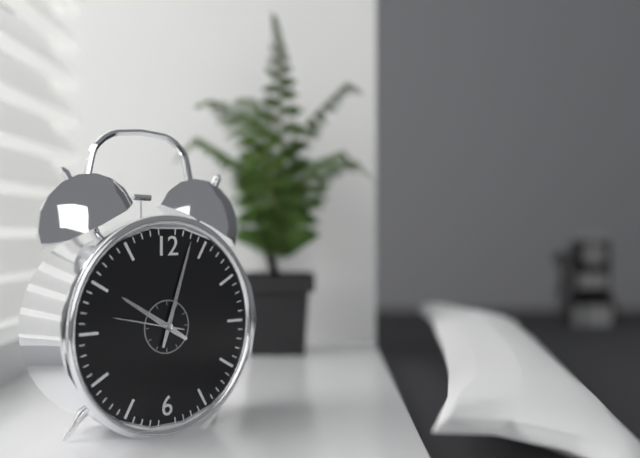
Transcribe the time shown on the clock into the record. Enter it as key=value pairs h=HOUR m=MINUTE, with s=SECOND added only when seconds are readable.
h=10 m=3 s=47
